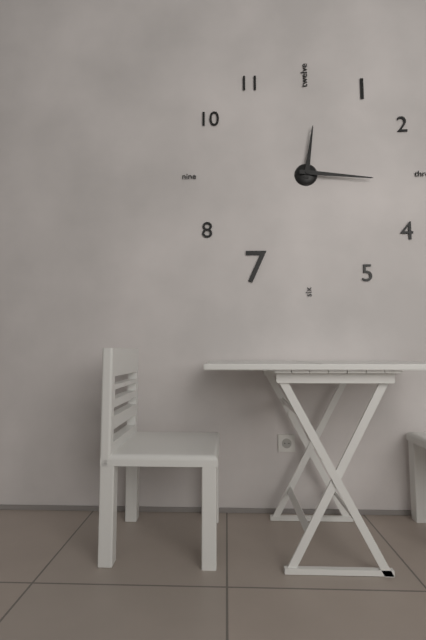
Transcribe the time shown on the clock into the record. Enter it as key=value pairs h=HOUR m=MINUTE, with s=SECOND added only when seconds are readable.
h=12 m=16
